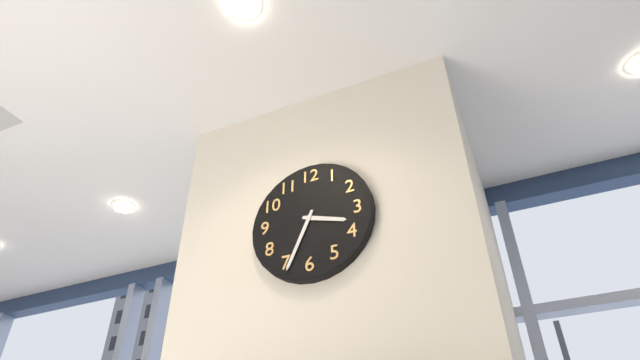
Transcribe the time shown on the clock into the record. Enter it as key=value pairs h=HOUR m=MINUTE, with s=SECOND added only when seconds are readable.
h=3 m=34
